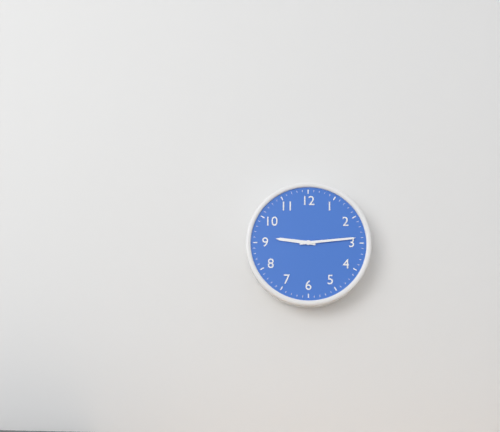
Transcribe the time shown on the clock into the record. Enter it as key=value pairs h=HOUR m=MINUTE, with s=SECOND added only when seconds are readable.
h=9 m=14
